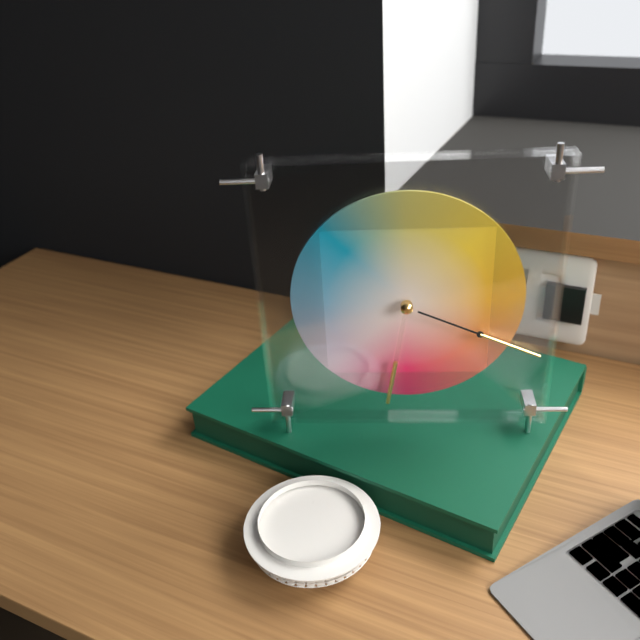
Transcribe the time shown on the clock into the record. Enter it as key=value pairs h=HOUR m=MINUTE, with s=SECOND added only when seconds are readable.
h=6 m=19
